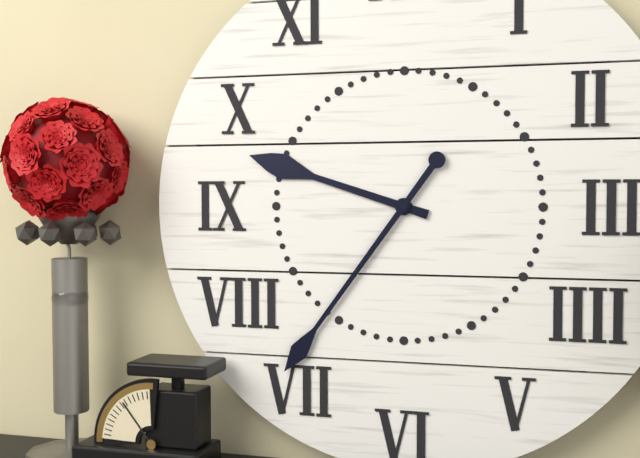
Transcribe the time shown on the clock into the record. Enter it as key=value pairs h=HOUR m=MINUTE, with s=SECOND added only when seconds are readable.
h=9 m=36
